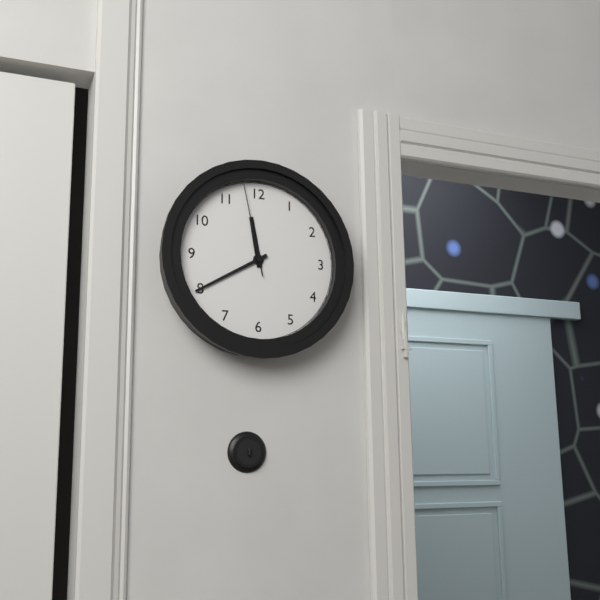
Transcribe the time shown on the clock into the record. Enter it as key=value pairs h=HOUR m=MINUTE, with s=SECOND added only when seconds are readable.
h=11 m=40 s=58
